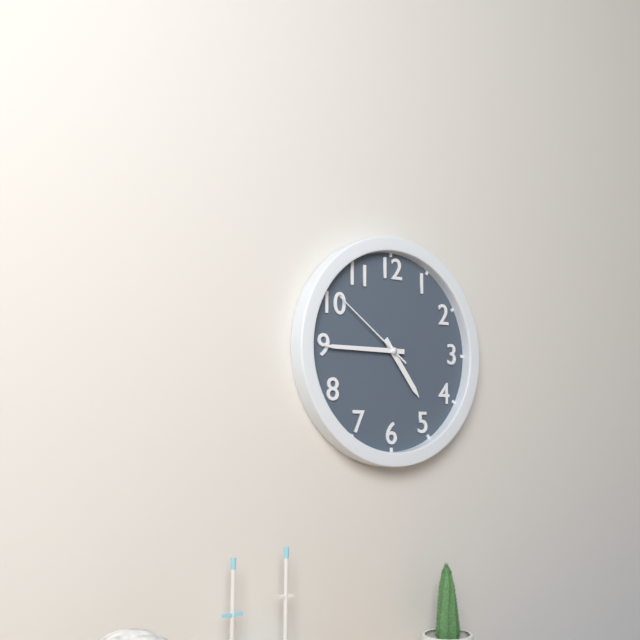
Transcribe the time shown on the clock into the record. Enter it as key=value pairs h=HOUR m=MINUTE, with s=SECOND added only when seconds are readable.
h=4 m=45 s=51
